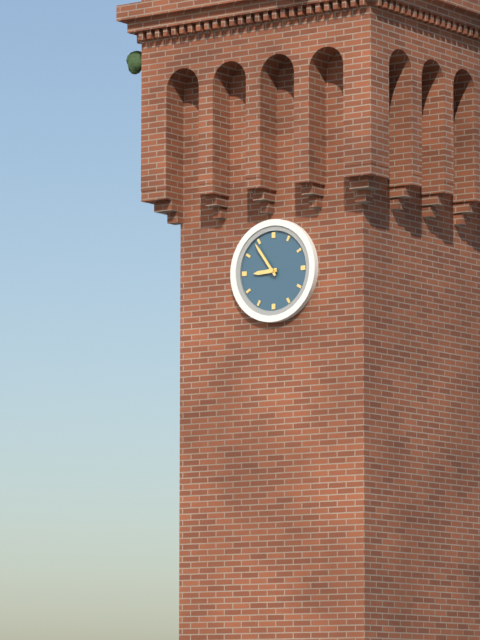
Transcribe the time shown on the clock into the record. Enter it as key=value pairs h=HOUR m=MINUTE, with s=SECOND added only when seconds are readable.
h=8 m=54
